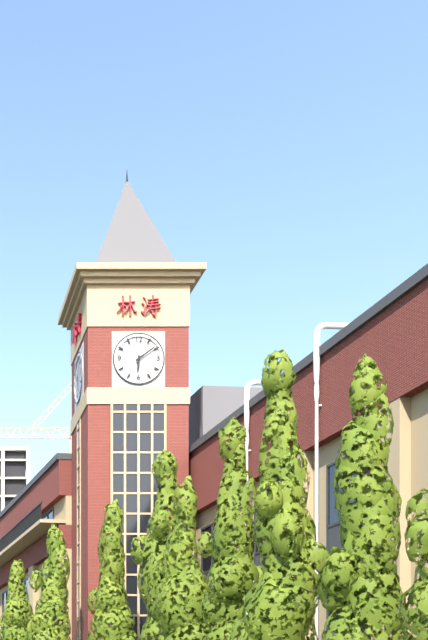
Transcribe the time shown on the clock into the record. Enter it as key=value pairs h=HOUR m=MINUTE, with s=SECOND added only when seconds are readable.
h=6 m=9
